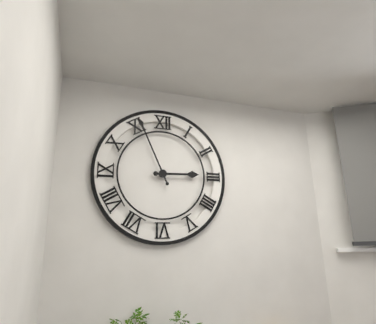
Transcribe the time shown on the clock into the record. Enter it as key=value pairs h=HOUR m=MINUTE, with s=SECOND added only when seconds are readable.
h=2 m=56
